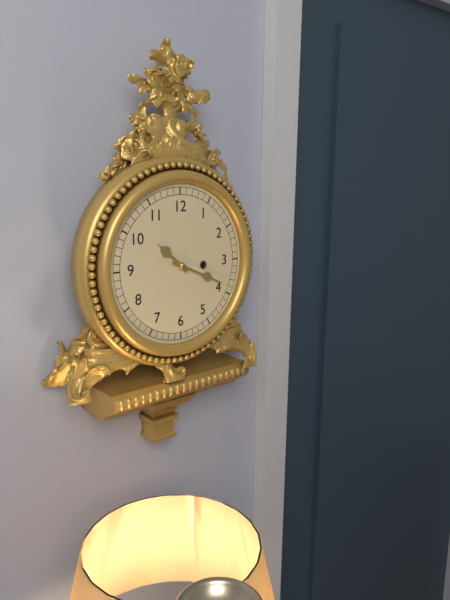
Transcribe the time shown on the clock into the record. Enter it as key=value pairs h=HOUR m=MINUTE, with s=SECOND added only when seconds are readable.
h=10 m=19
